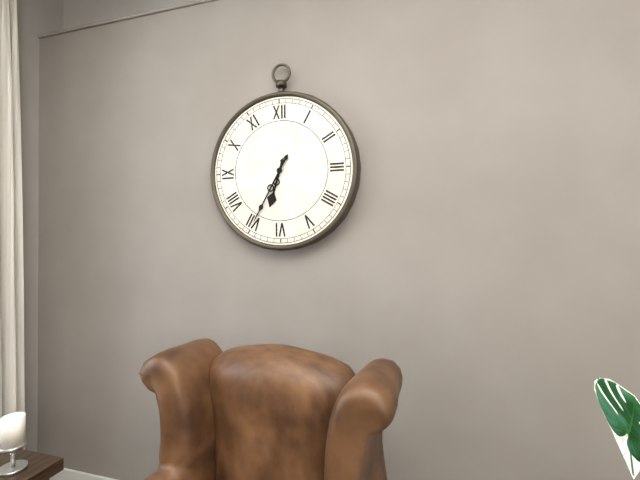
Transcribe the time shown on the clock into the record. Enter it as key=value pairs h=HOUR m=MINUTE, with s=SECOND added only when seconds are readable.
h=6 m=35
